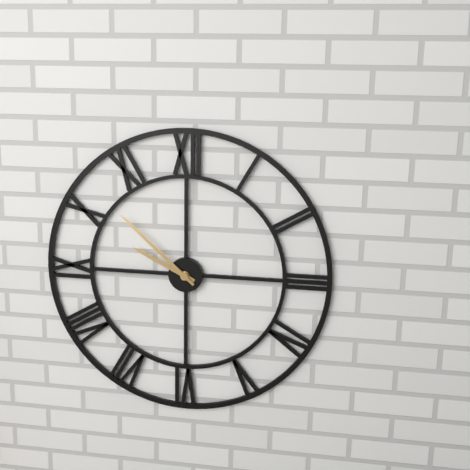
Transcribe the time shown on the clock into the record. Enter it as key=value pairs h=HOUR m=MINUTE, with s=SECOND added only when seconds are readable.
h=9 m=52
